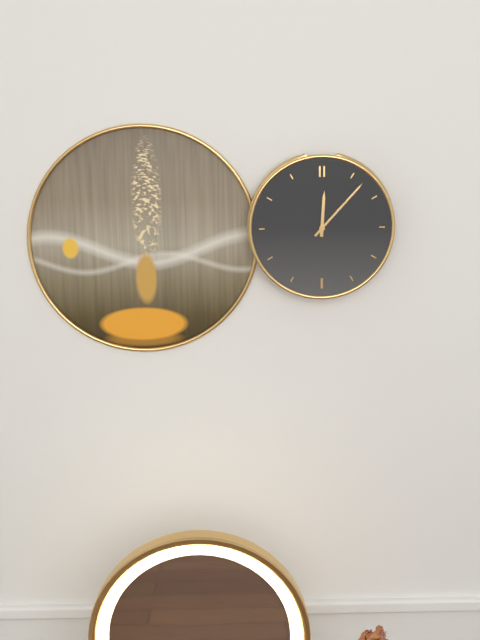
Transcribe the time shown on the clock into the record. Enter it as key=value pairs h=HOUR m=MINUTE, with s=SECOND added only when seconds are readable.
h=12 m=7
